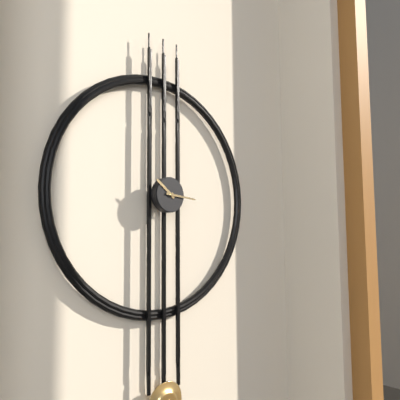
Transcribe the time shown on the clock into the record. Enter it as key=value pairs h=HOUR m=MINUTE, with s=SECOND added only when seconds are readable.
h=10 m=16
